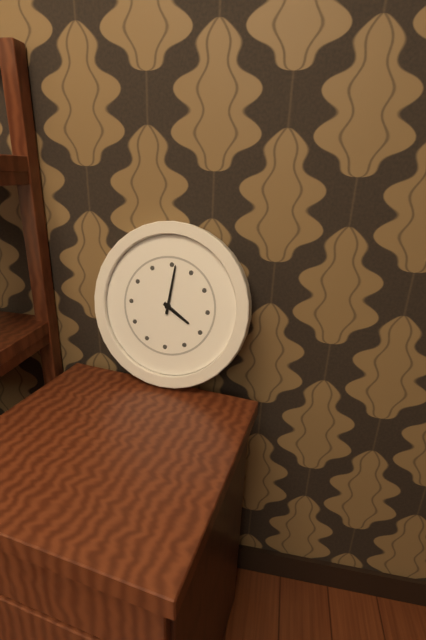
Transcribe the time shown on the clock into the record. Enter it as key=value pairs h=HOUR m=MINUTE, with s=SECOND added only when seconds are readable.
h=4 m=1
